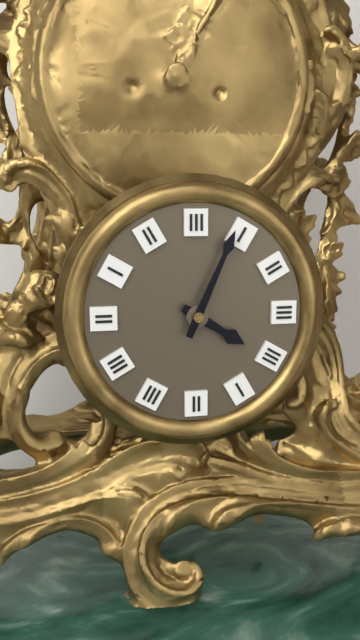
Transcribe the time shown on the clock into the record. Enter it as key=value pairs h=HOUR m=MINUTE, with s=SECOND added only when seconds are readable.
h=4 m=4
